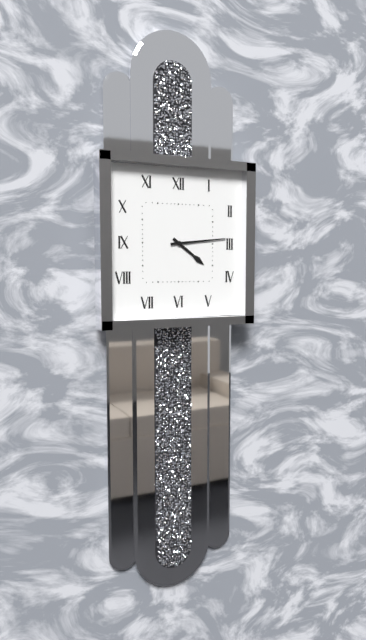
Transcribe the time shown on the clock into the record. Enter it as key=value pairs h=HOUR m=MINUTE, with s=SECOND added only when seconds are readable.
h=4 m=14
